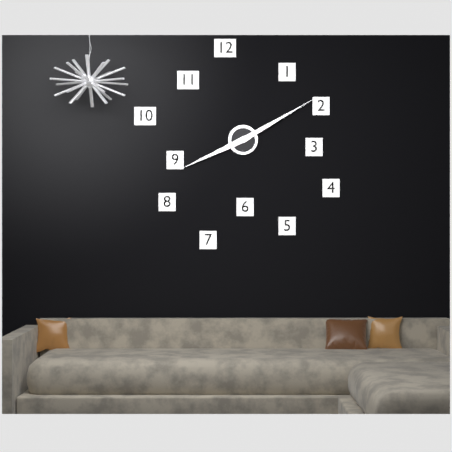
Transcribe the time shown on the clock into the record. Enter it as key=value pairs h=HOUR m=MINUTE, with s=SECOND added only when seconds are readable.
h=8 m=10
